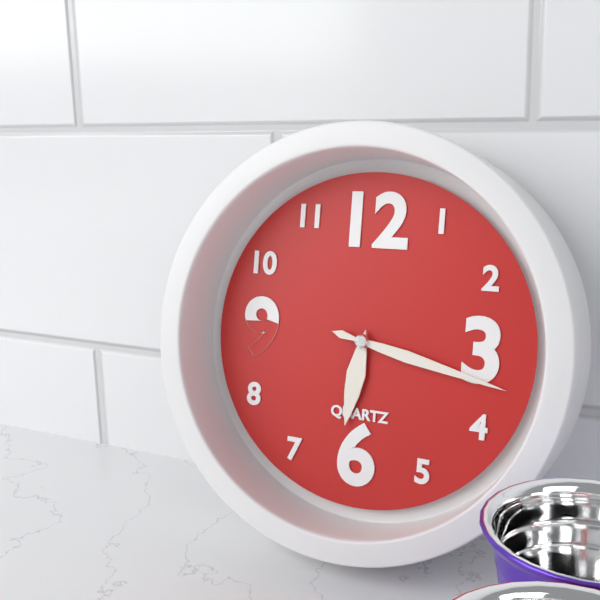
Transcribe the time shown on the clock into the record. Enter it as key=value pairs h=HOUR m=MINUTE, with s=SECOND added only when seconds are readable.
h=6 m=17
